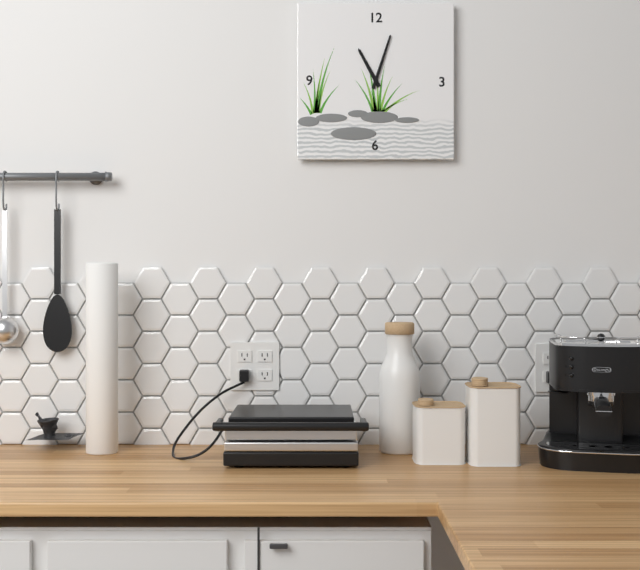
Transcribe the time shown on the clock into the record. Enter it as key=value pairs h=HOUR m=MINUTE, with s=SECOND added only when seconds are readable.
h=11 m=3
